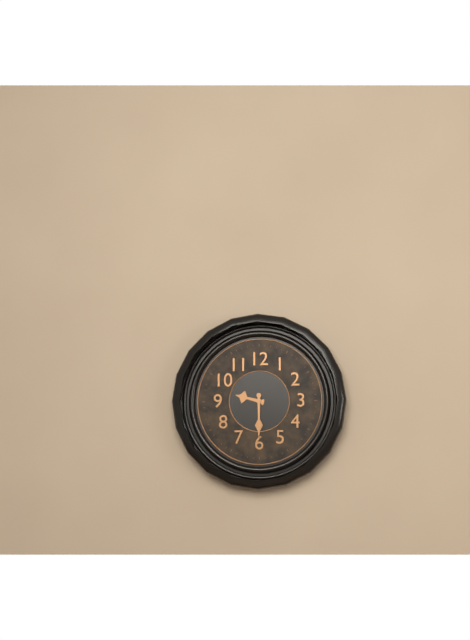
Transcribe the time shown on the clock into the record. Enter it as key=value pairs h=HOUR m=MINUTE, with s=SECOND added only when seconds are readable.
h=9 m=30
